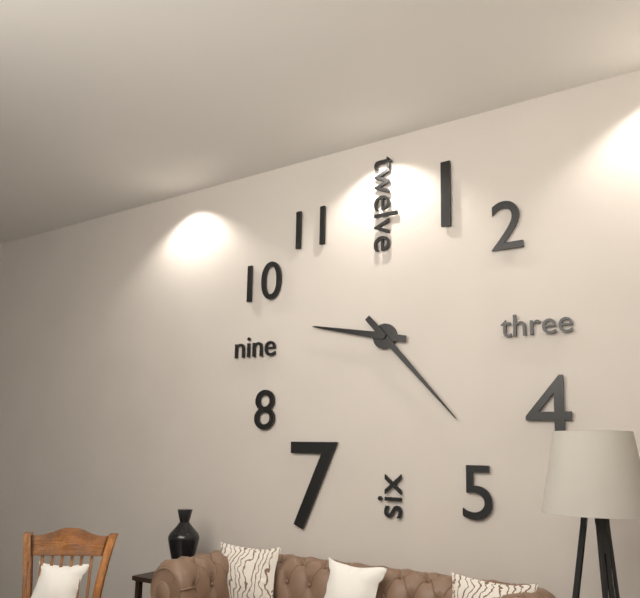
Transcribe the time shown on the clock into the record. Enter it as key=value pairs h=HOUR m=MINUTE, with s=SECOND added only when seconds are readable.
h=9 m=23
